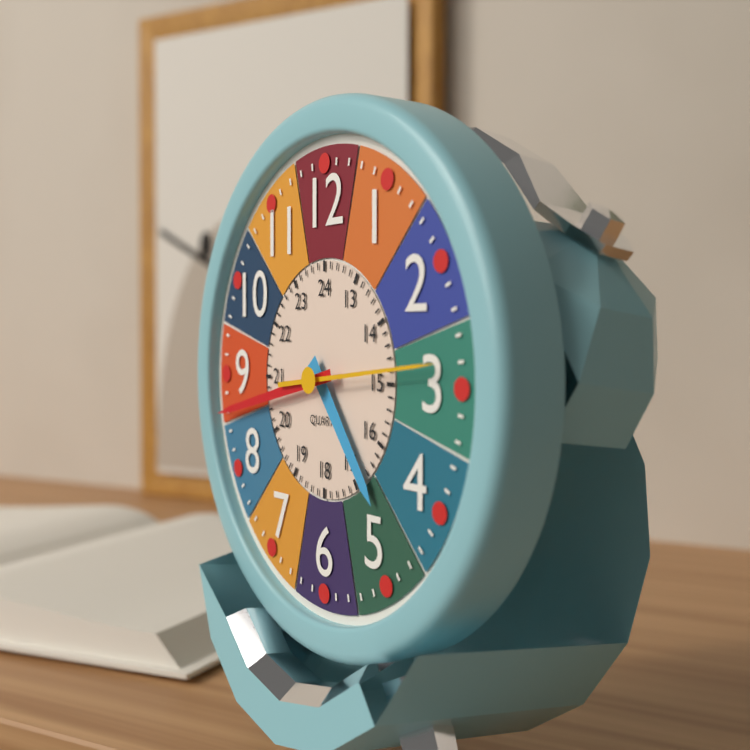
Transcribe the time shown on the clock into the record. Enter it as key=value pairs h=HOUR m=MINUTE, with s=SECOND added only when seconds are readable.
h=4 m=43 s=14
